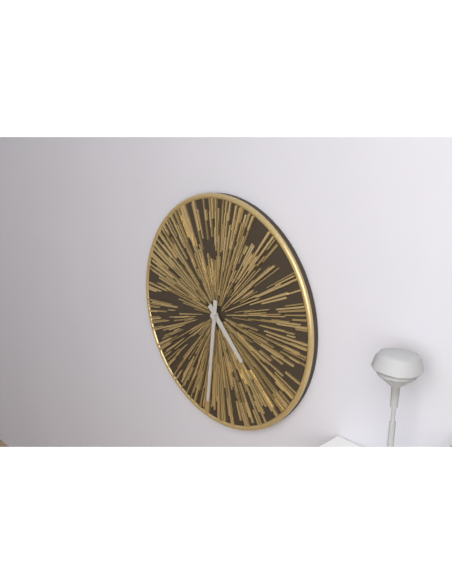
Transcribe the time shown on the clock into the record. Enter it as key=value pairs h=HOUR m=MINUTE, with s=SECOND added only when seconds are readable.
h=4 m=31
